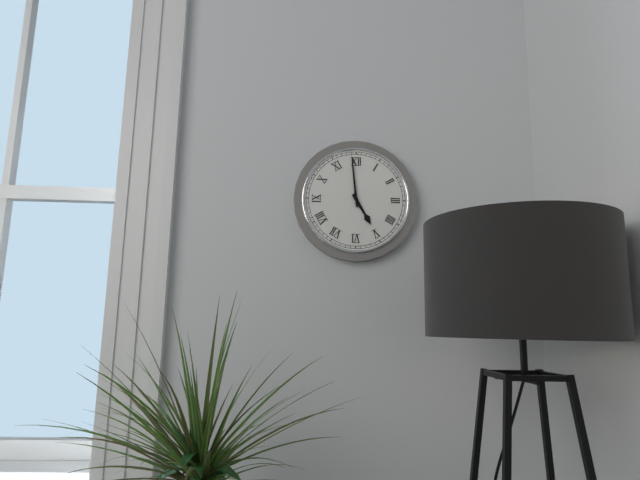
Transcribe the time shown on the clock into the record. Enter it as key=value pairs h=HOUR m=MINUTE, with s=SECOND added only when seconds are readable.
h=4 m=59
